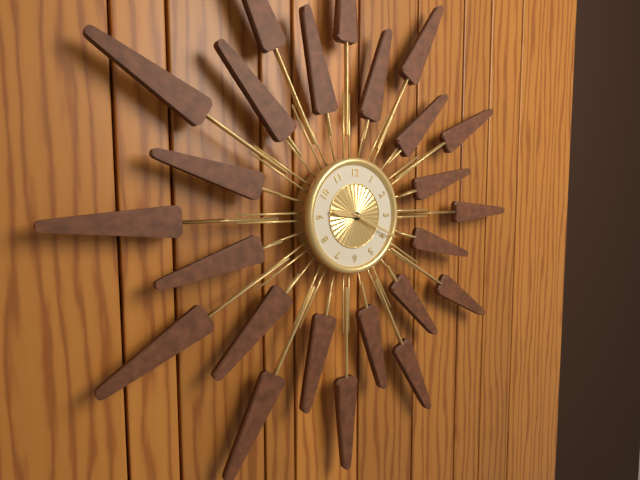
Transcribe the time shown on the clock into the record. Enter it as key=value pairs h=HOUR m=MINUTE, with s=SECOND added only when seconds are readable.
h=9 m=19
